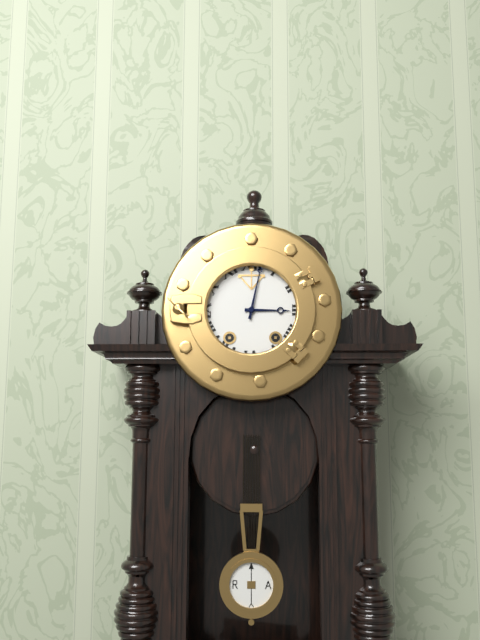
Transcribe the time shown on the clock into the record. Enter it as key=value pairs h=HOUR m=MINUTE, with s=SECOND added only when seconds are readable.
h=3 m=2
